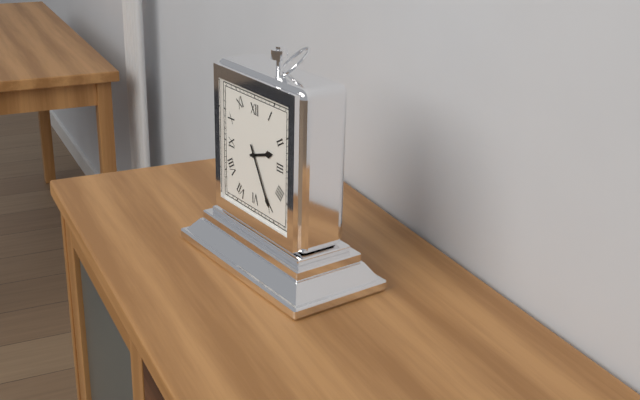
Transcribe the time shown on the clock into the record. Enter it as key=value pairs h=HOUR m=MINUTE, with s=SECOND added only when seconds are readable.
h=2 m=25
